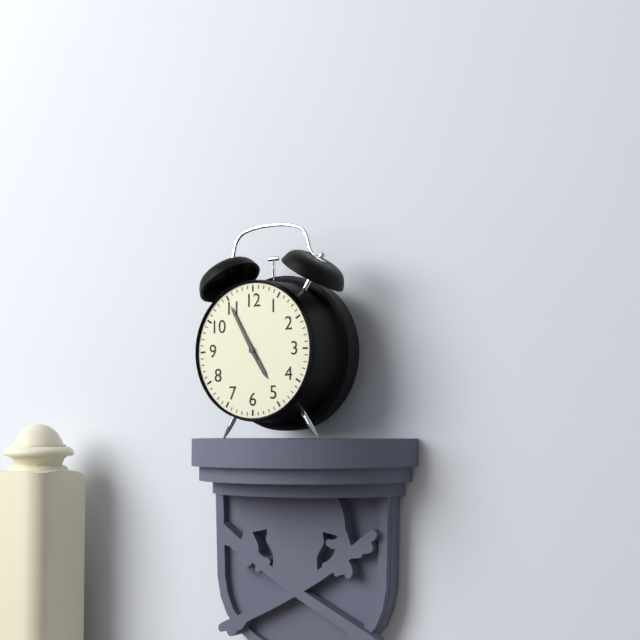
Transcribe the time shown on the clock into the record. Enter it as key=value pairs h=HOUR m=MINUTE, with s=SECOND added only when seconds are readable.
h=4 m=55
